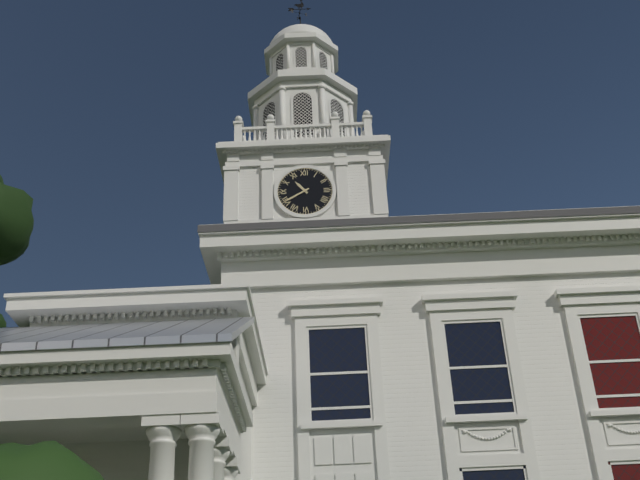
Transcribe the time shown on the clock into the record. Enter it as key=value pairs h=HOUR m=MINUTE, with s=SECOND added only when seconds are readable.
h=10 m=40
